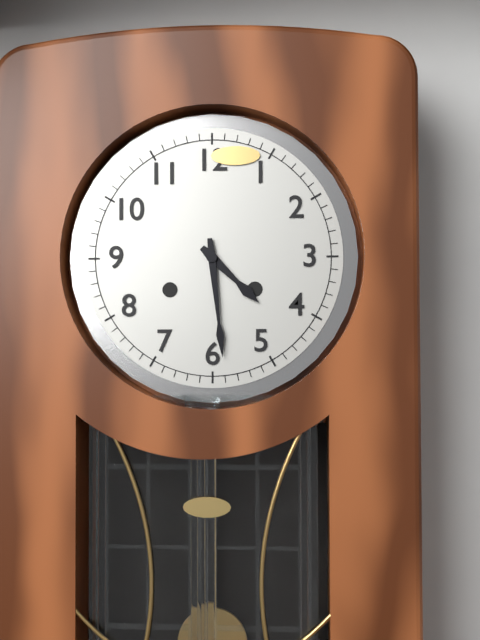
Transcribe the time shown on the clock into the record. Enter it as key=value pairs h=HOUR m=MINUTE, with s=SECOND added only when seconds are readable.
h=4 m=29
